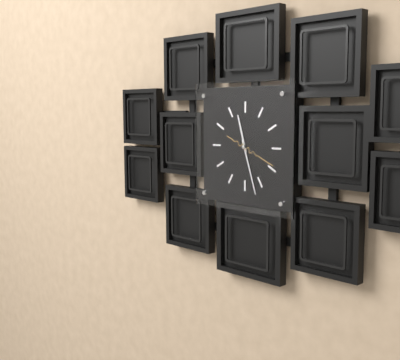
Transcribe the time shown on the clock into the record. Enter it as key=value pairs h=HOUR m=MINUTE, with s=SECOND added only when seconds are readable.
h=11 m=27
